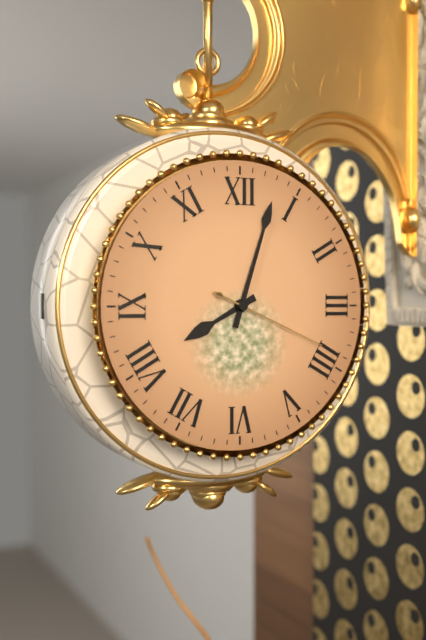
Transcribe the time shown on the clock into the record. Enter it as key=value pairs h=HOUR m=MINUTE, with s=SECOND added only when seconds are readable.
h=8 m=3 s=19
